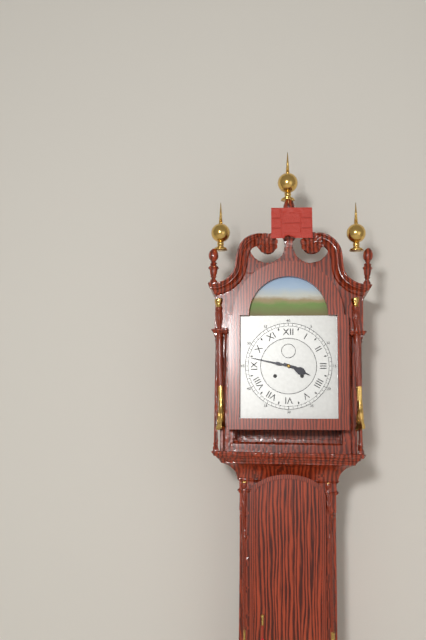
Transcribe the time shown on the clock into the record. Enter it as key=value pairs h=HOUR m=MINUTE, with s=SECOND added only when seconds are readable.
h=3 m=47
